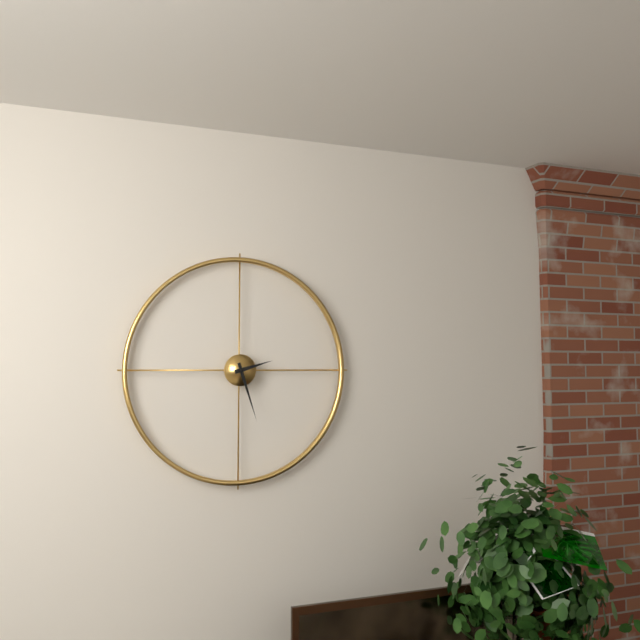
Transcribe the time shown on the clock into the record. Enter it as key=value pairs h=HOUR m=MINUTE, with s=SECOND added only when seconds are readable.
h=2 m=27
